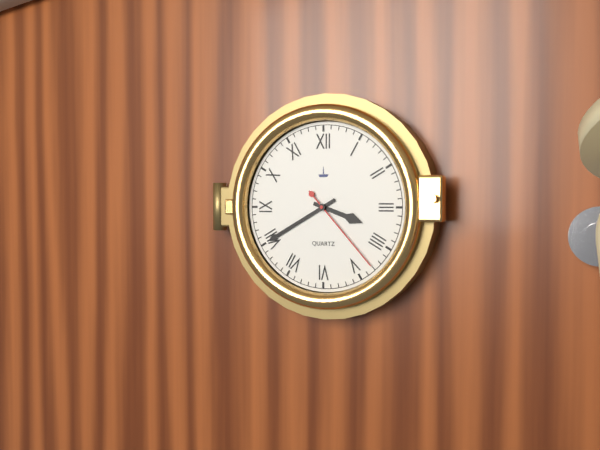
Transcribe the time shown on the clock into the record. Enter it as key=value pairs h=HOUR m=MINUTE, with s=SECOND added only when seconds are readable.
h=3 m=40 s=23
